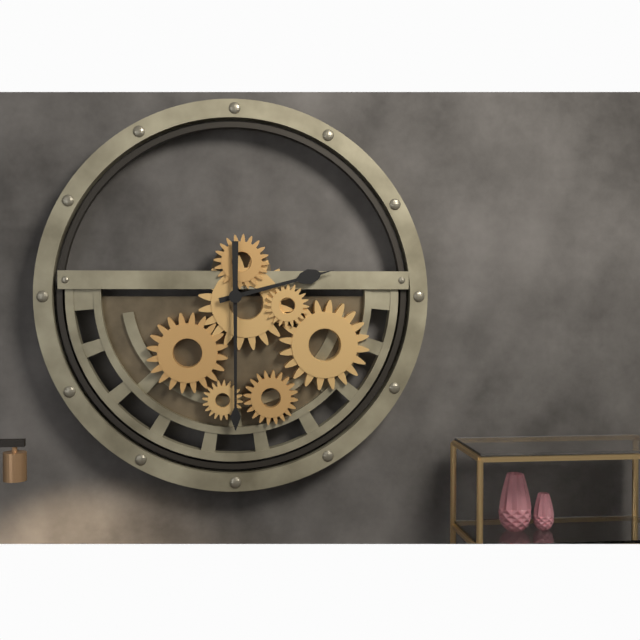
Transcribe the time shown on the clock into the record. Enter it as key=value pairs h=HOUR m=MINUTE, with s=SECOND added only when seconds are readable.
h=2 m=30
